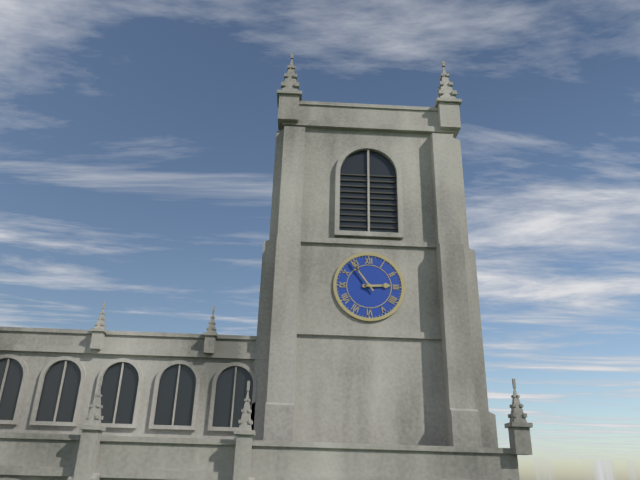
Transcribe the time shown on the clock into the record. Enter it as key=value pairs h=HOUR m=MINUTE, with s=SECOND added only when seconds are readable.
h=2 m=54
